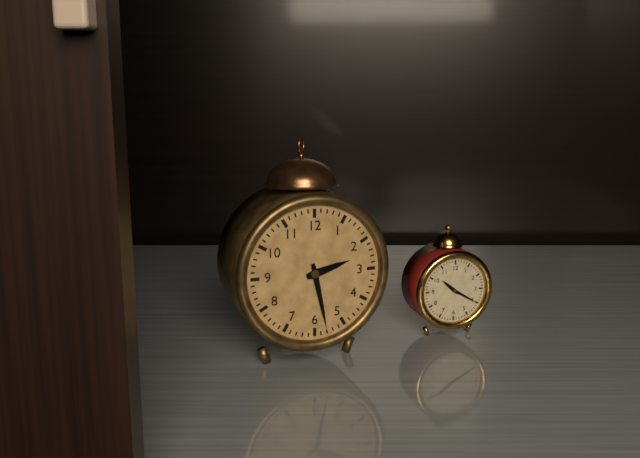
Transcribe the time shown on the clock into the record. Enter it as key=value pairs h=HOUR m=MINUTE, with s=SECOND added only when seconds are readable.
h=2 m=28
